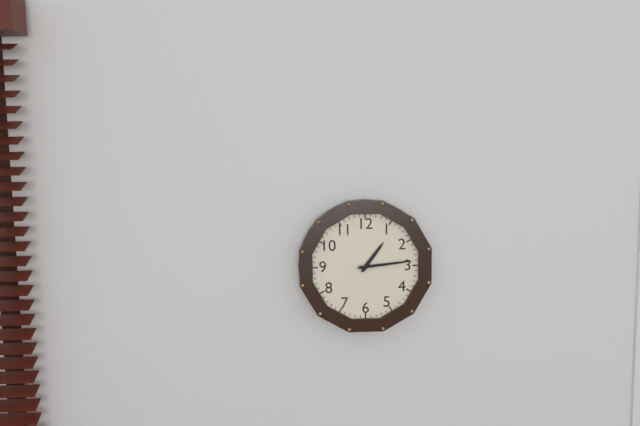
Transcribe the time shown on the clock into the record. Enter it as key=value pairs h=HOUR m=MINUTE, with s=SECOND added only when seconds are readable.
h=1 m=14
